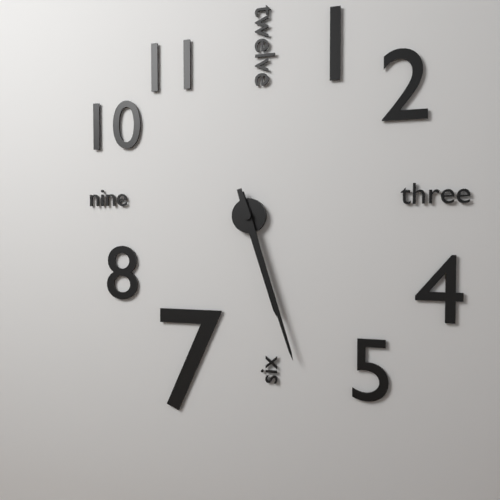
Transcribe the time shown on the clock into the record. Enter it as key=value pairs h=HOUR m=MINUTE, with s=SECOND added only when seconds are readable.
h=5 m=27
